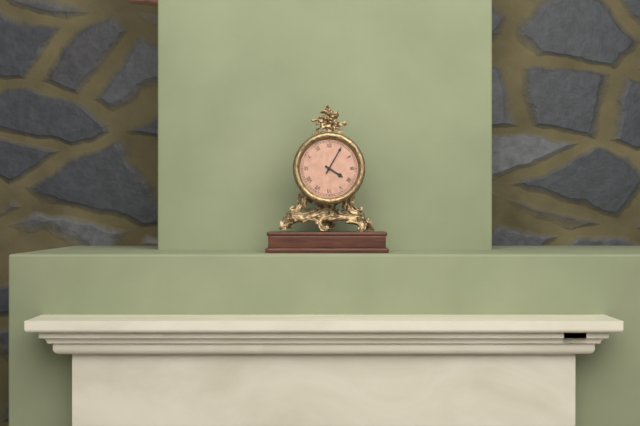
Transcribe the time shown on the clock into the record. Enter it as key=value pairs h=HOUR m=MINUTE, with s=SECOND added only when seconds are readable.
h=4 m=5
